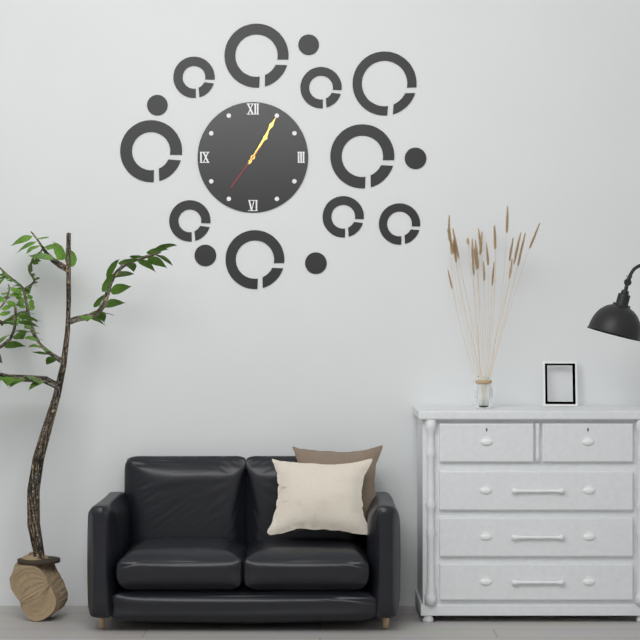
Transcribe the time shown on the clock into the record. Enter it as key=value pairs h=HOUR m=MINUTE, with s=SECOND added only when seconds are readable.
h=1 m=5
